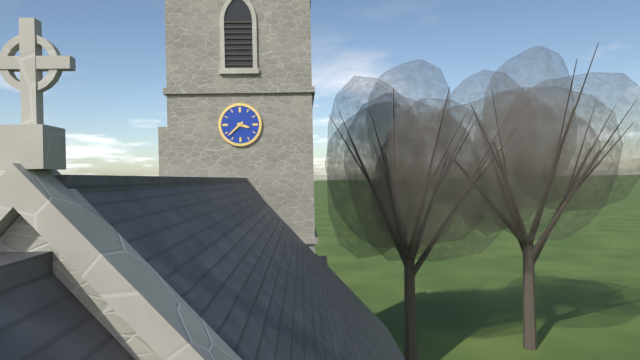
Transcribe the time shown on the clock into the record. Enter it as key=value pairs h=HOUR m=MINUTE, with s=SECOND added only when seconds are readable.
h=3 m=38
